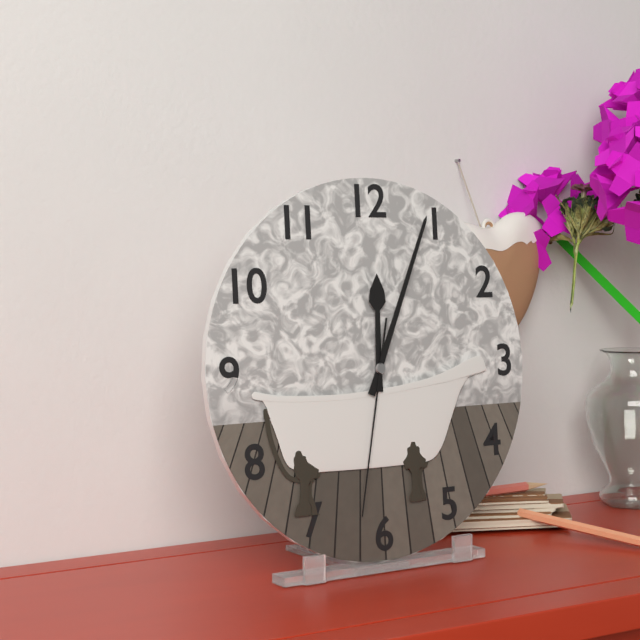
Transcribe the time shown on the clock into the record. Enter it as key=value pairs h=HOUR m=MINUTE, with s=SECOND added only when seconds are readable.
h=12 m=4 s=32
